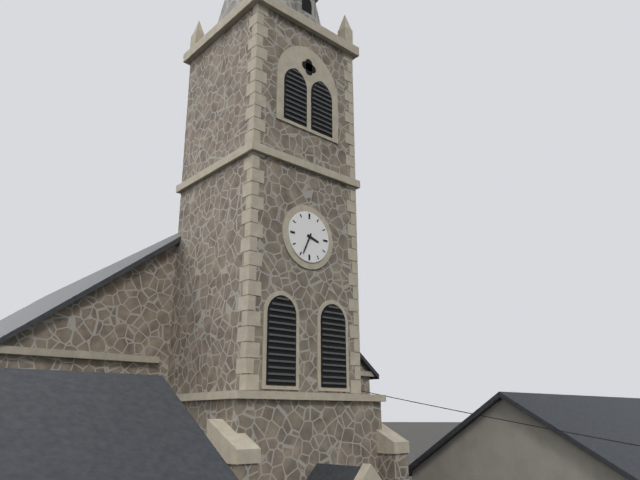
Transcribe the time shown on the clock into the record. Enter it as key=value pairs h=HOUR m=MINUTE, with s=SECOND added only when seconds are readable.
h=3 m=34
